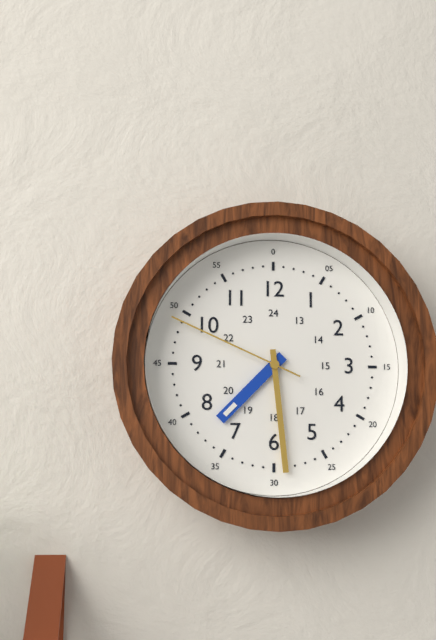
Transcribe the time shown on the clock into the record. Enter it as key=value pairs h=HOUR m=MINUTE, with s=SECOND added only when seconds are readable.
h=7 m=29 s=49
